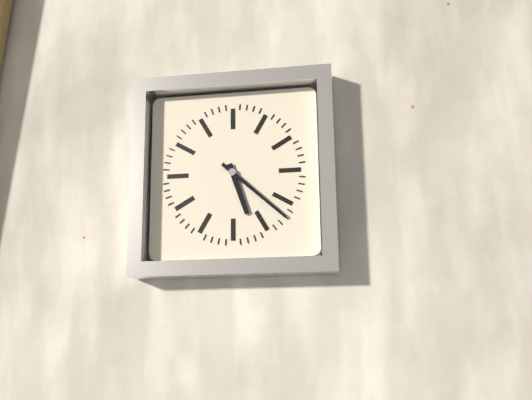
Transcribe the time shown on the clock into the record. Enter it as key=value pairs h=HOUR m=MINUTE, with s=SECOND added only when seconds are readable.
h=5 m=22
